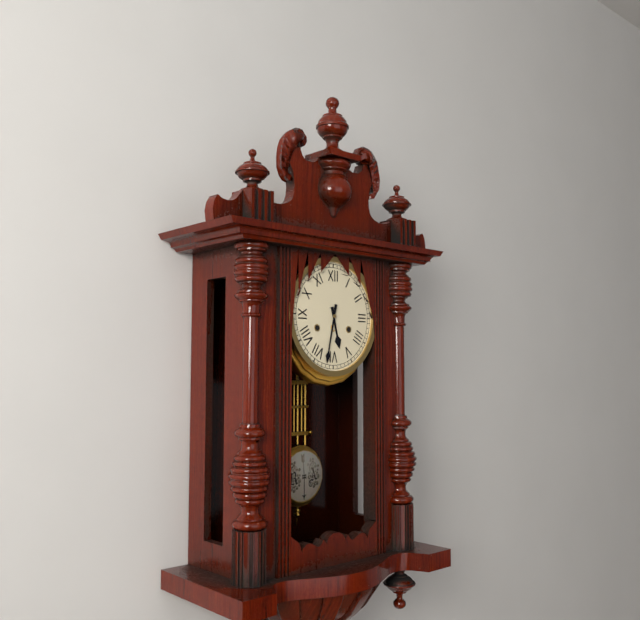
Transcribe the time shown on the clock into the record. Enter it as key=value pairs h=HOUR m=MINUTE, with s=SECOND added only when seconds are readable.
h=5 m=32
